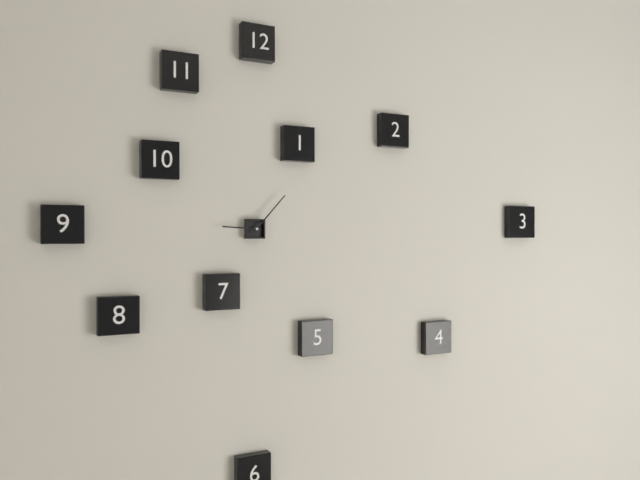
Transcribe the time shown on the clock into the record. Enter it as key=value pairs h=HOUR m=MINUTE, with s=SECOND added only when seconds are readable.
h=9 m=7
